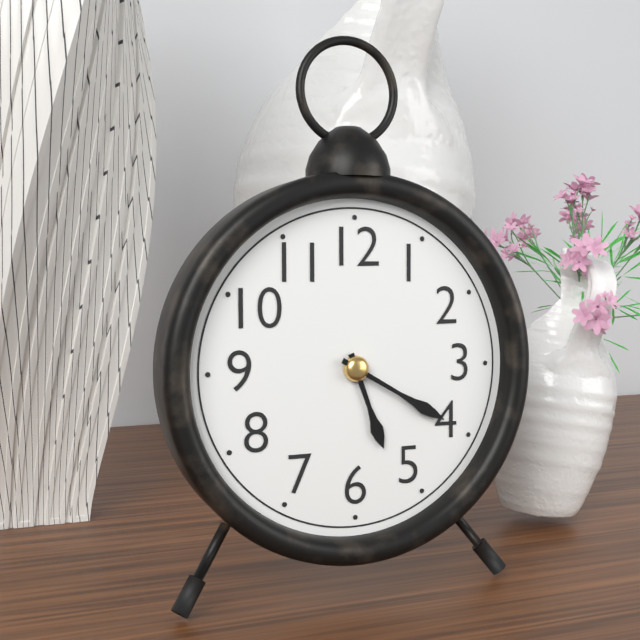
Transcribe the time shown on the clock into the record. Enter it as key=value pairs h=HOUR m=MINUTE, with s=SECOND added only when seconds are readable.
h=5 m=20
